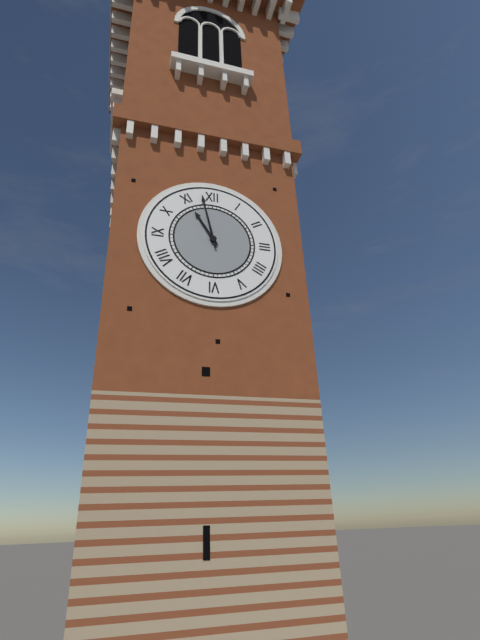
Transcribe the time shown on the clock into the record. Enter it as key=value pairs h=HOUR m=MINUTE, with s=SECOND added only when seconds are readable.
h=10 m=58
